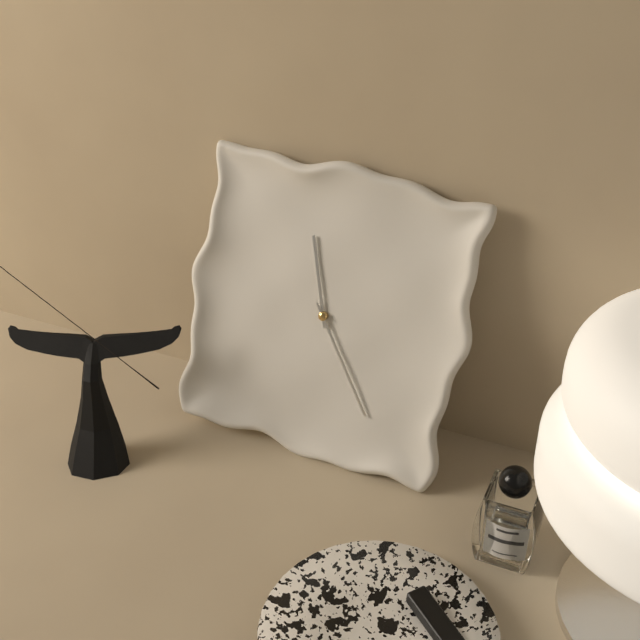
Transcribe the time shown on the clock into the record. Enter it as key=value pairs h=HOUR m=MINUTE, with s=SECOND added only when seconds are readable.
h=11 m=24
